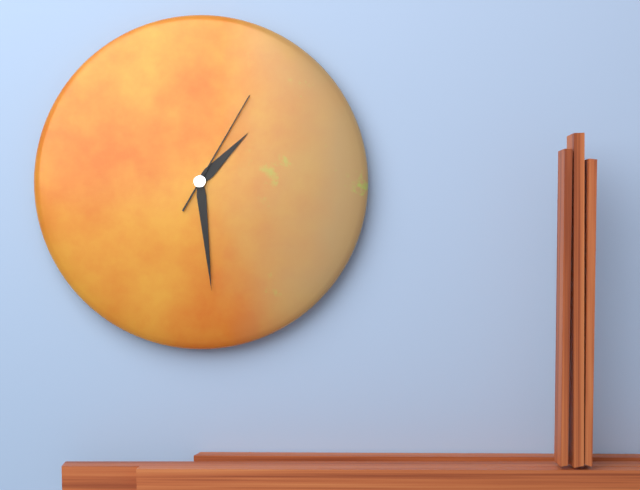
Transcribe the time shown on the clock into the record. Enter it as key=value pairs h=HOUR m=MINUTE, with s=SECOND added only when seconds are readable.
h=1 m=29 s=5
